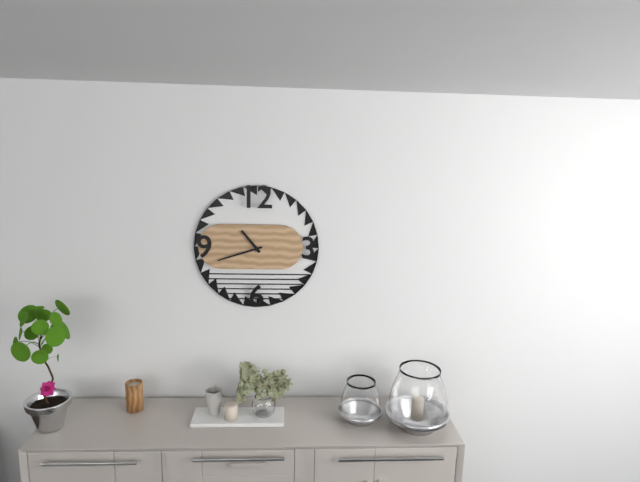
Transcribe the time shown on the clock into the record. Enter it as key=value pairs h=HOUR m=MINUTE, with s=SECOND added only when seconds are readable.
h=10 m=42
